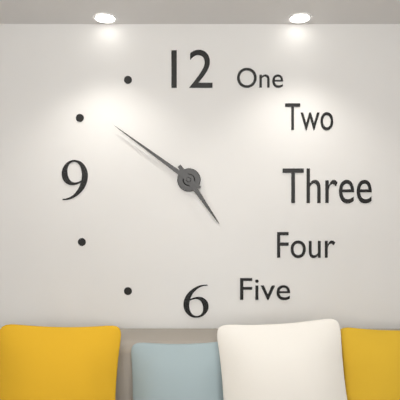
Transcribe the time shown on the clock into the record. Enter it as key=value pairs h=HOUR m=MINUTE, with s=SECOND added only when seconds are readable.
h=4 m=51
